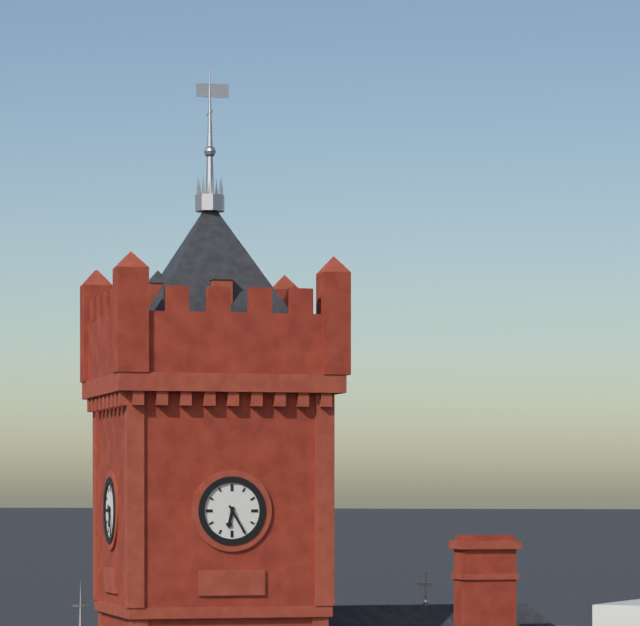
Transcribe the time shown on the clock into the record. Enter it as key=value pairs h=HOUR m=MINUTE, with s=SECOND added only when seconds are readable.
h=6 m=25
